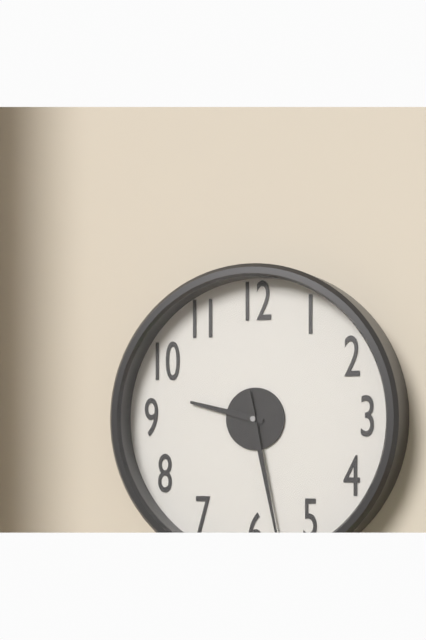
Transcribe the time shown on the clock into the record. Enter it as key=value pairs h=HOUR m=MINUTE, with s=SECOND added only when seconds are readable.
h=9 m=28
